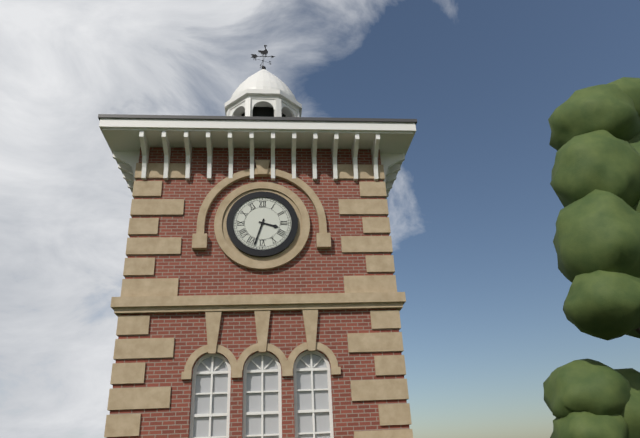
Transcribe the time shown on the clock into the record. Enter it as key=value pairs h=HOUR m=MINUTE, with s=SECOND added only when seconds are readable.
h=3 m=33
